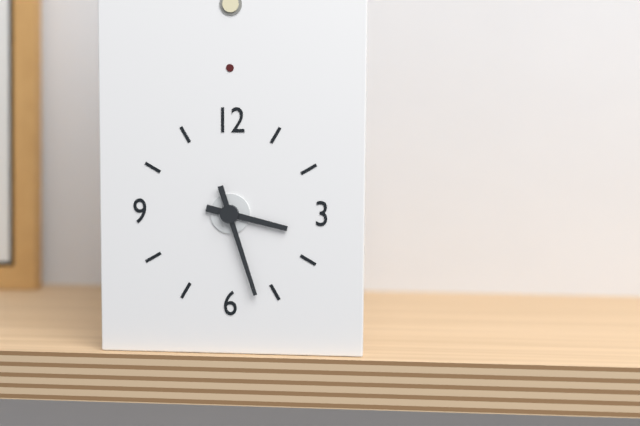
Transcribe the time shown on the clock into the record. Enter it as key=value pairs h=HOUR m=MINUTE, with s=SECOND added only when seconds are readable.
h=3 m=27
